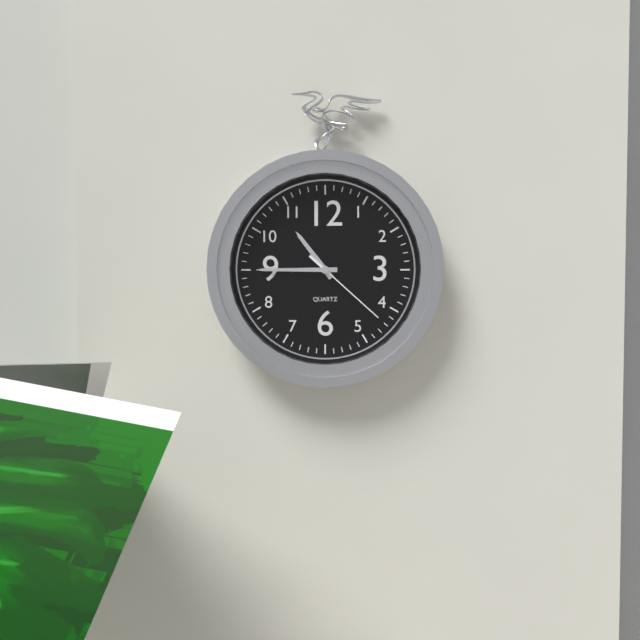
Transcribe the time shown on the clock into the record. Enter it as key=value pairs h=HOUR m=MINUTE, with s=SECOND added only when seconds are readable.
h=10 m=45 s=22
